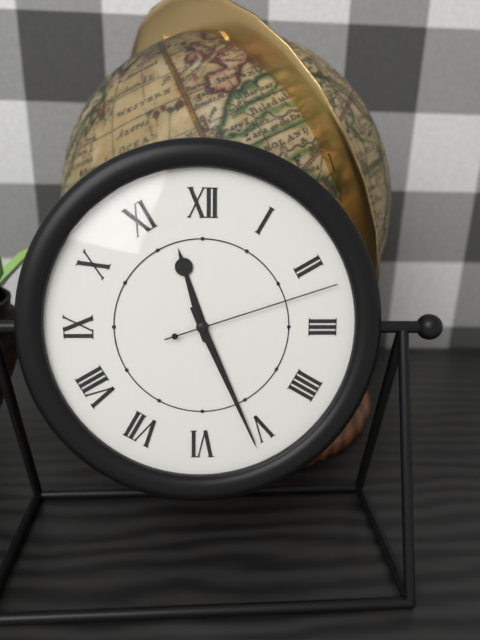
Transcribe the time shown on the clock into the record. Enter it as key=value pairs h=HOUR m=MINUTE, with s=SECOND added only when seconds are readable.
h=11 m=26 s=12
